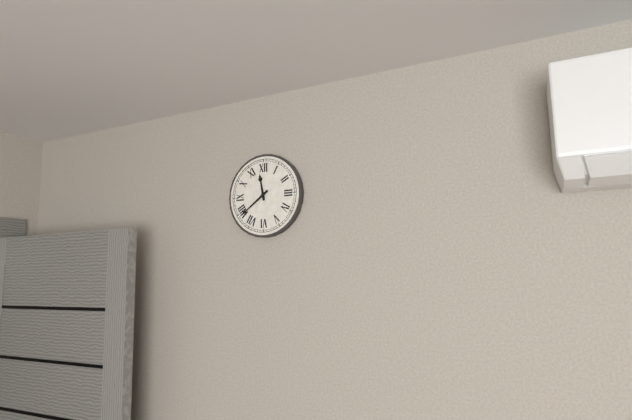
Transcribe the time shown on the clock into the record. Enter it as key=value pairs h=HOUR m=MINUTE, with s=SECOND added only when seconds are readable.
h=11 m=39
